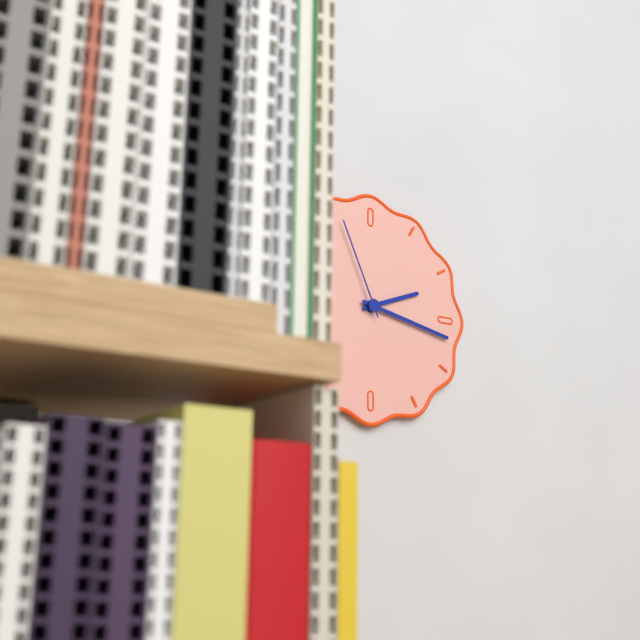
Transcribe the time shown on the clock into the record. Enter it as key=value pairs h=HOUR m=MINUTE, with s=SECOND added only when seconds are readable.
h=2 m=17 s=56
